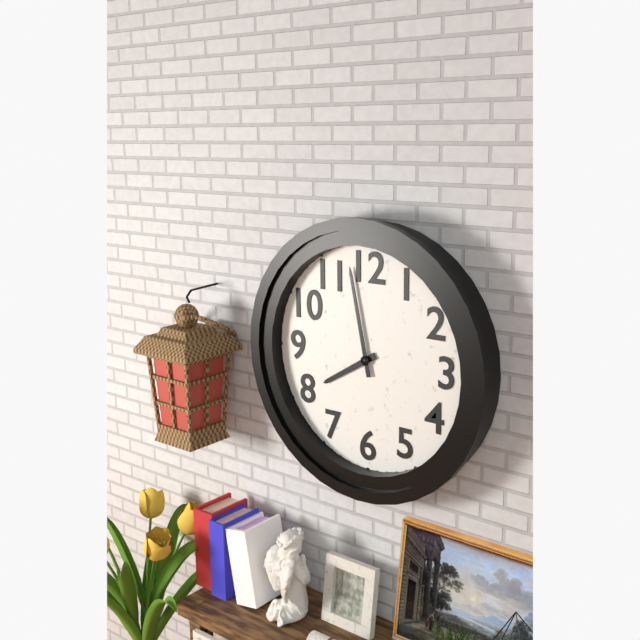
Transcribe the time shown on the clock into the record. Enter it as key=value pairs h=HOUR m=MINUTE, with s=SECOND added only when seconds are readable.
h=7 m=58
